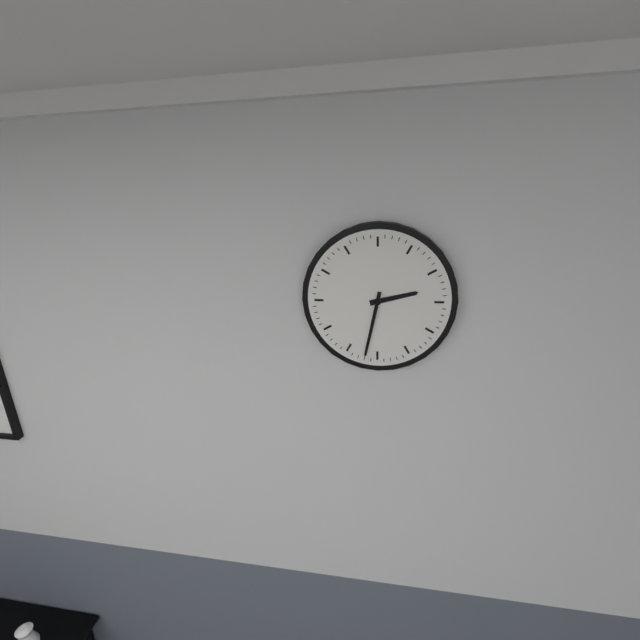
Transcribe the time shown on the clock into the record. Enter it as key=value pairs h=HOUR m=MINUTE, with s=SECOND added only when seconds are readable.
h=2 m=32
